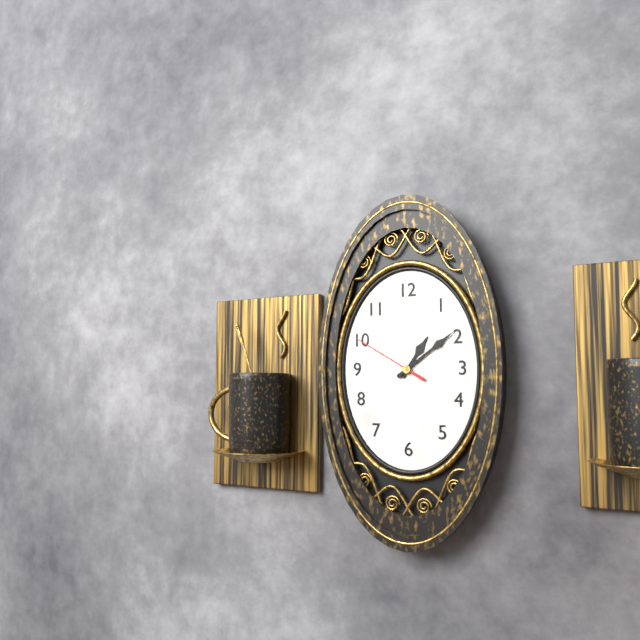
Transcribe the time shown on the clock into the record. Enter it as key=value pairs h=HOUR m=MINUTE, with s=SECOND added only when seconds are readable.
h=1 m=9 s=50
